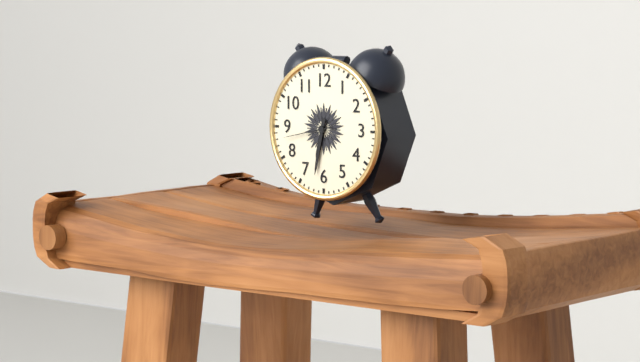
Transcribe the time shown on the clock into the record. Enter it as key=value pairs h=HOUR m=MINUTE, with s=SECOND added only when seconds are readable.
h=6 m=32 s=43
